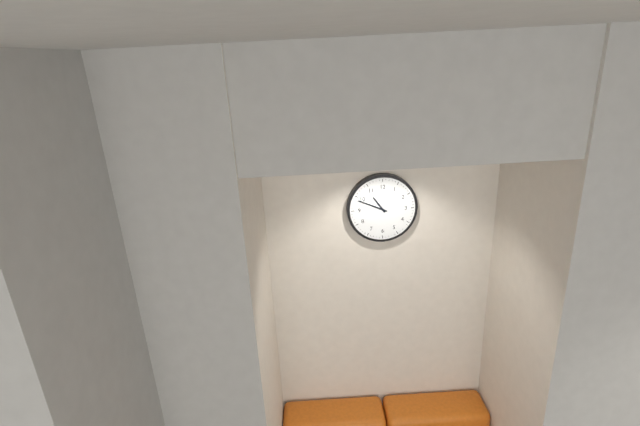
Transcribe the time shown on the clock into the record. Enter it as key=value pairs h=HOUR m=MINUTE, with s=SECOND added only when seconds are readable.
h=10 m=49
